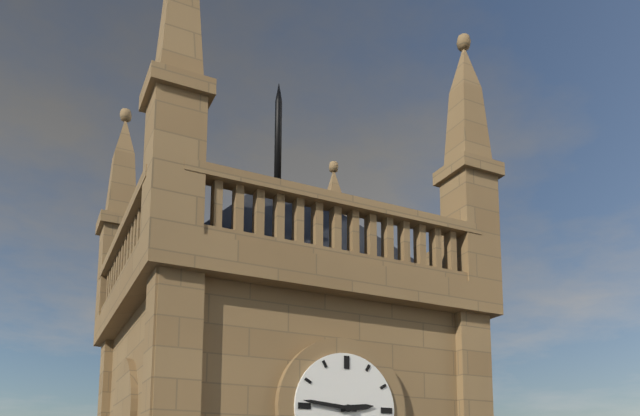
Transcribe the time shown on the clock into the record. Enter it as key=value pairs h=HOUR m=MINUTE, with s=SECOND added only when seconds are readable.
h=2 m=46
